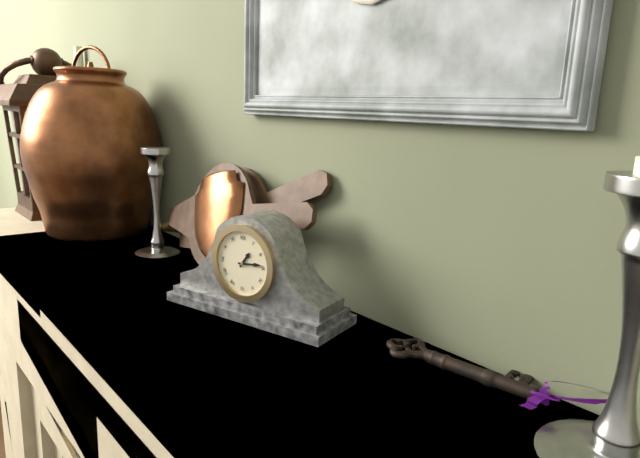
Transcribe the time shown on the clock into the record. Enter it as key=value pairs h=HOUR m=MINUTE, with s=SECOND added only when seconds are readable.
h=1 m=14
